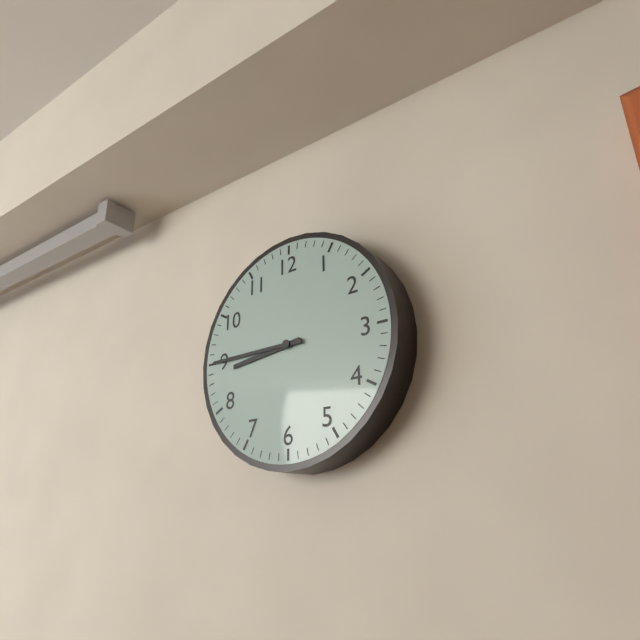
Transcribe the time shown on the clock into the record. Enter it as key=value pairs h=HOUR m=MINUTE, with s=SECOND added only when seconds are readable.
h=8 m=45
